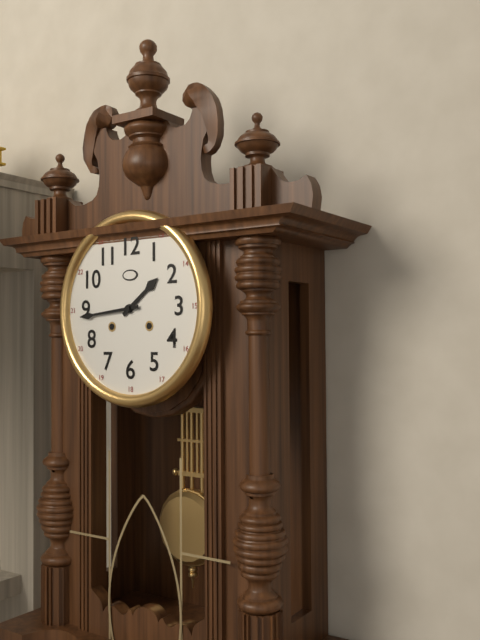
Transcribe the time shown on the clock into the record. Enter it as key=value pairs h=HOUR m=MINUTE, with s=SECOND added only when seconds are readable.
h=1 m=44
